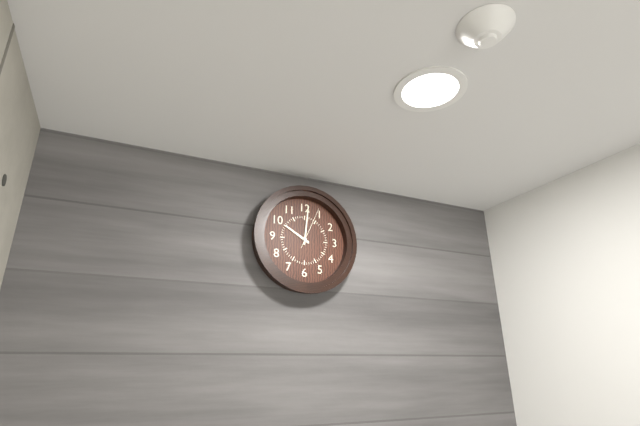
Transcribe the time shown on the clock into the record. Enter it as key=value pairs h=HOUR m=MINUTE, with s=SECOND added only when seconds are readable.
h=10 m=1
